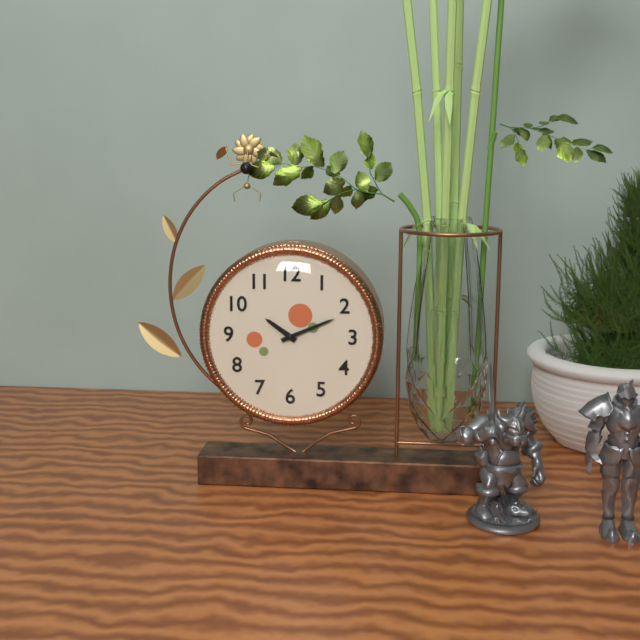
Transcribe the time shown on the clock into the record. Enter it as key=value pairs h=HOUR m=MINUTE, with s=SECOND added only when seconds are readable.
h=10 m=11
